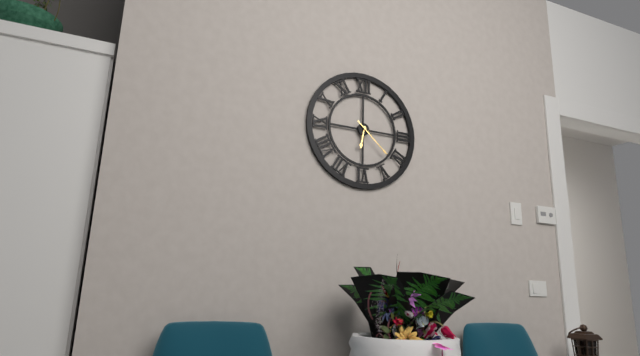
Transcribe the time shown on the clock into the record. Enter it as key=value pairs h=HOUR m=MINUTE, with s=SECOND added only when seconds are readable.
h=6 m=22
